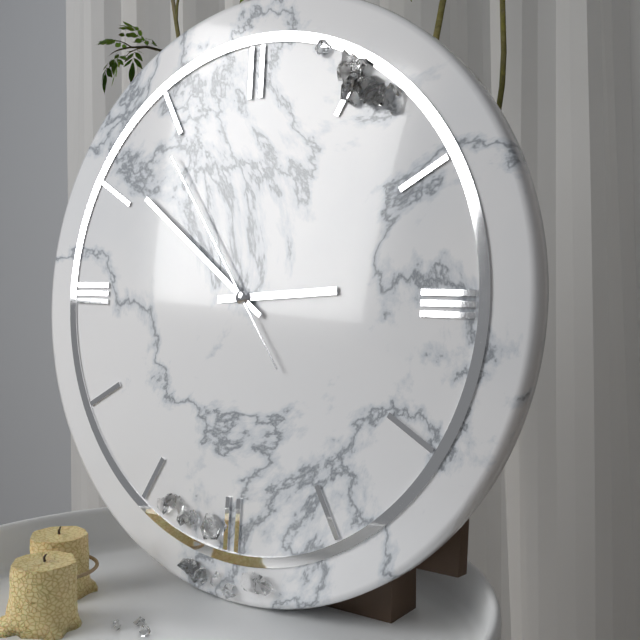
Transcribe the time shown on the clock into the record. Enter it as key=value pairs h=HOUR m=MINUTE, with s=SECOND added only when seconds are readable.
h=2 m=51 s=54
